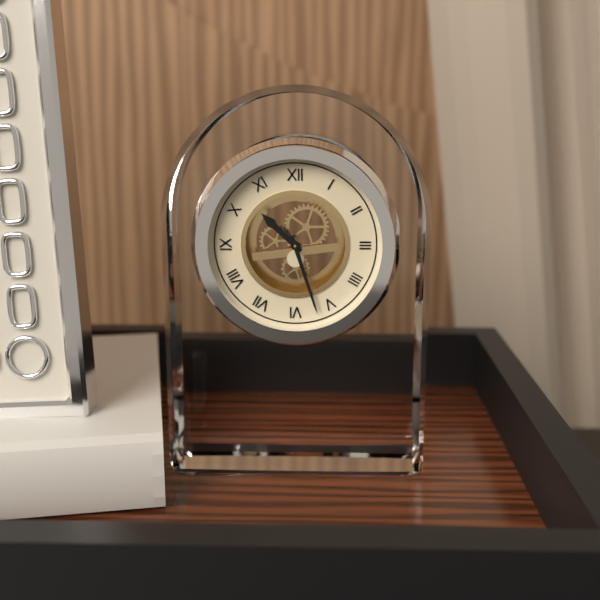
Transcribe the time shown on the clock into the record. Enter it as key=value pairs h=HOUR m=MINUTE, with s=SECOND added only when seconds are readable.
h=10 m=27
